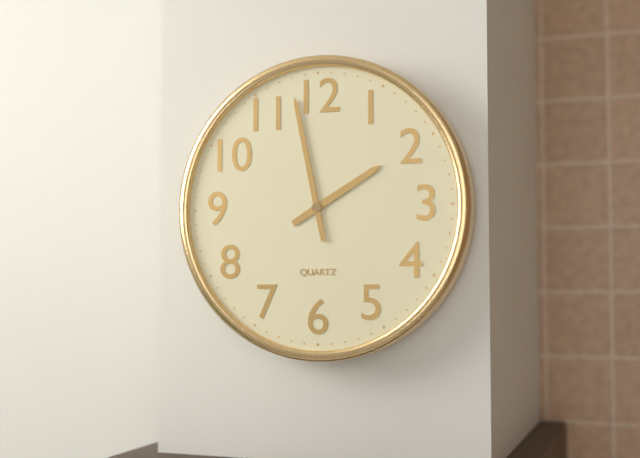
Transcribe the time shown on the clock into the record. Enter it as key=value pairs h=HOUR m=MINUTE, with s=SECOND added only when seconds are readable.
h=1 m=58
